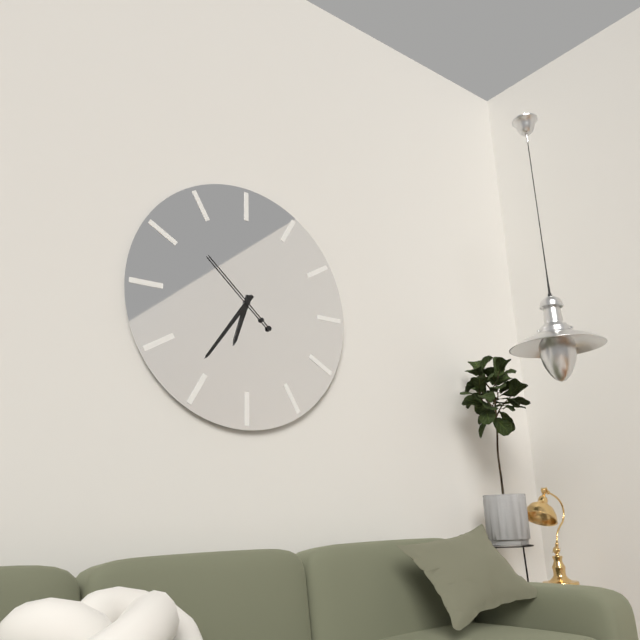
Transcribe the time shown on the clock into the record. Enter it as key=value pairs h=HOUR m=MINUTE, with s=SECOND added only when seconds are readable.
h=6 m=36 s=52
